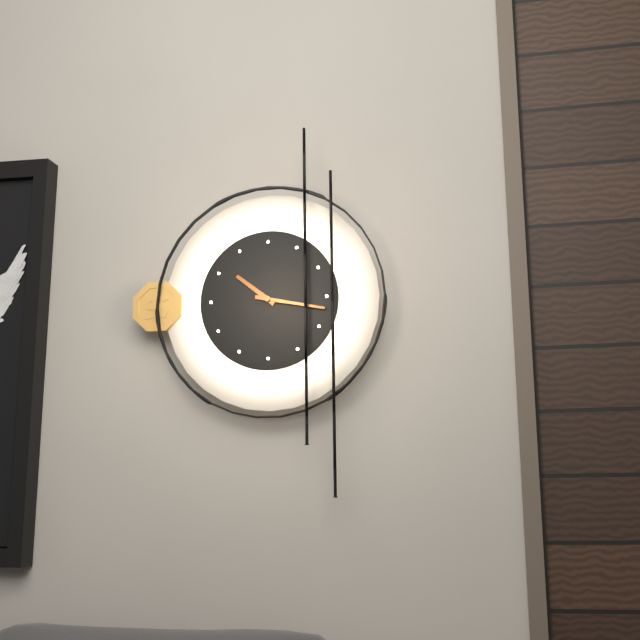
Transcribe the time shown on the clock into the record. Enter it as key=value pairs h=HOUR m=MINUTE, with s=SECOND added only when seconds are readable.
h=10 m=17
